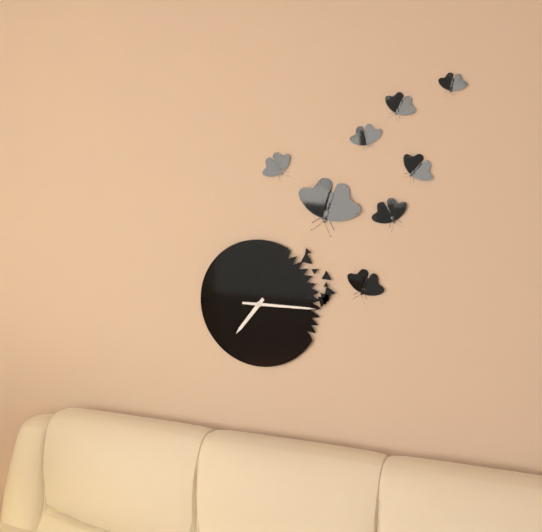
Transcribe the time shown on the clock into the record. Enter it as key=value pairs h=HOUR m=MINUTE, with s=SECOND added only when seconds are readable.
h=7 m=15
